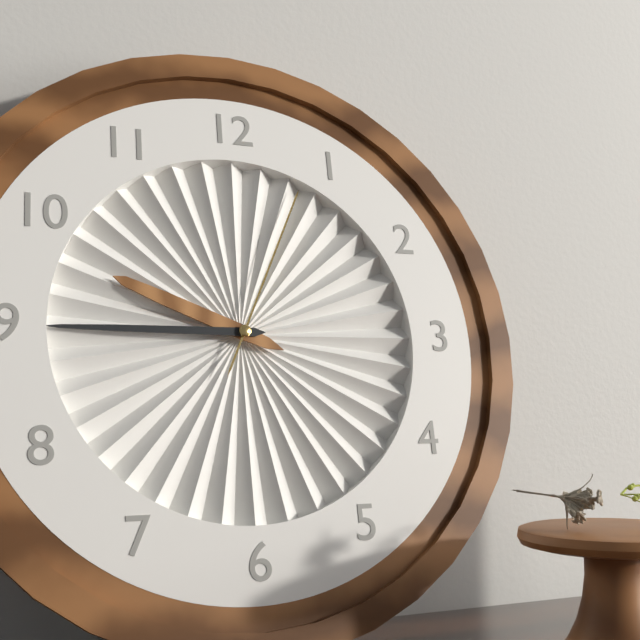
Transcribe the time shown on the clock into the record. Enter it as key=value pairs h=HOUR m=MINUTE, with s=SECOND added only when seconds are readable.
h=9 m=45 s=4
